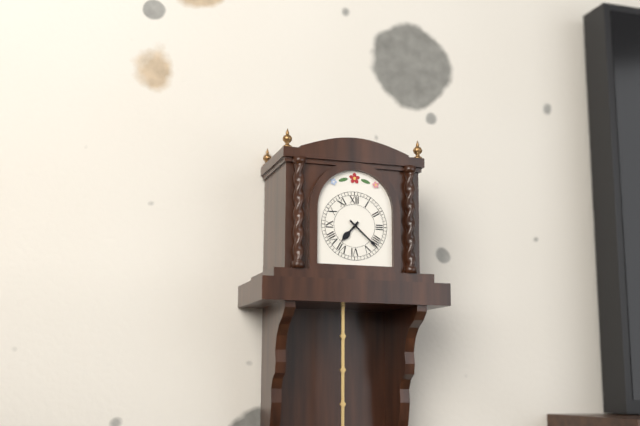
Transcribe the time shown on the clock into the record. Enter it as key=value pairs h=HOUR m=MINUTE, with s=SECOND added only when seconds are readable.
h=7 m=22
